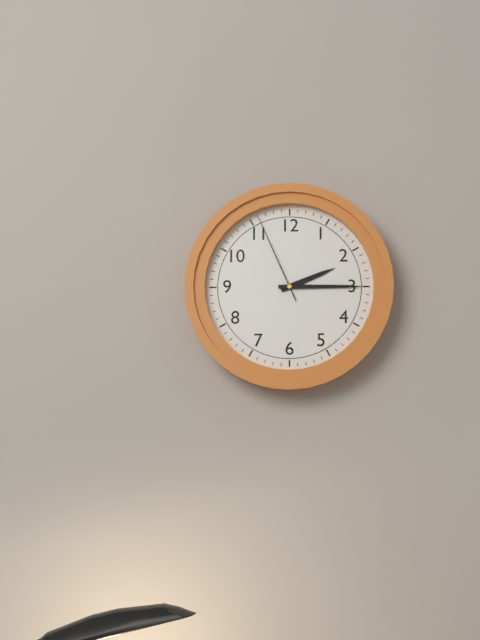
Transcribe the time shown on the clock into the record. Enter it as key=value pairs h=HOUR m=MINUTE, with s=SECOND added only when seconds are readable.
h=2 m=15 s=56
